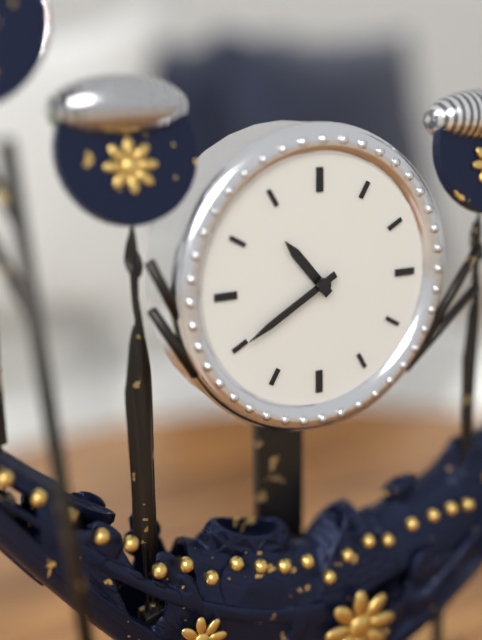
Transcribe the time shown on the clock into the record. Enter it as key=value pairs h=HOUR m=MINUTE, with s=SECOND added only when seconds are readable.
h=10 m=40
